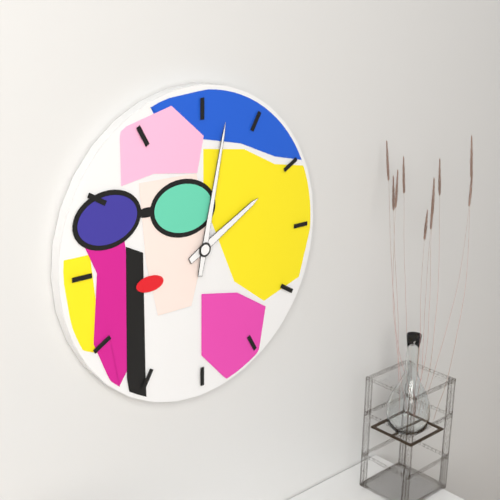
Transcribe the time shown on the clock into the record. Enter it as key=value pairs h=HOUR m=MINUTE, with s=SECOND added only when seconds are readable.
h=2 m=2
